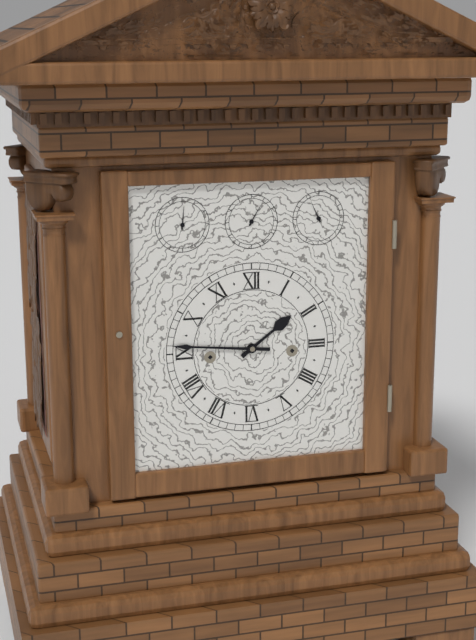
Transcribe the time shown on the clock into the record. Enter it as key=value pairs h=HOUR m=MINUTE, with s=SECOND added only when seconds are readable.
h=1 m=46
